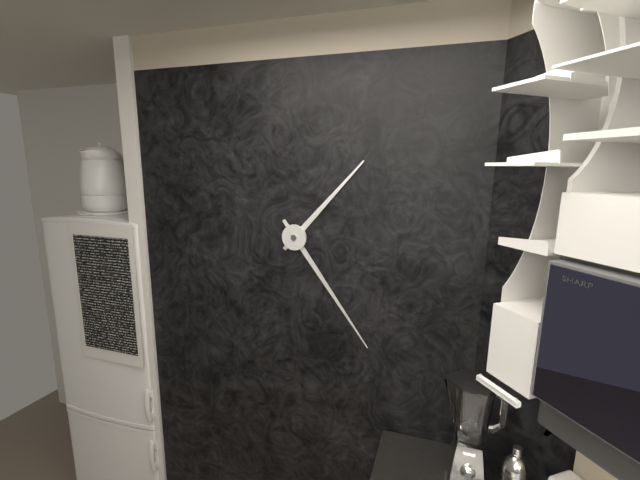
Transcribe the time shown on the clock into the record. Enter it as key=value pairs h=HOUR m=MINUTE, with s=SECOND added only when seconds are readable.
h=1 m=24
